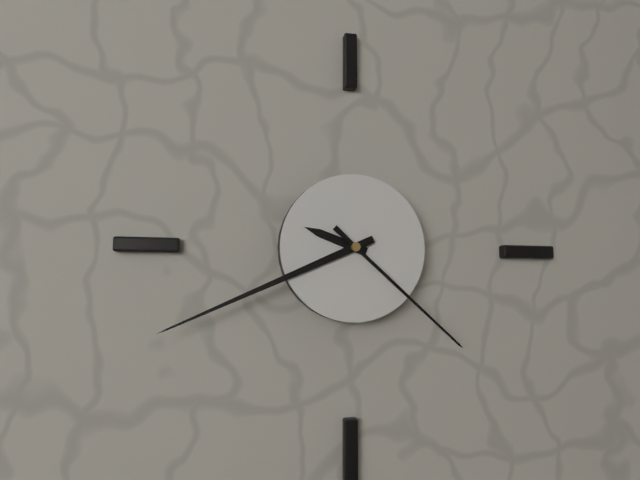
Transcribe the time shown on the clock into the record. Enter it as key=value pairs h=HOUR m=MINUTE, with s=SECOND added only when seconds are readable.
h=9 m=41 s=22
